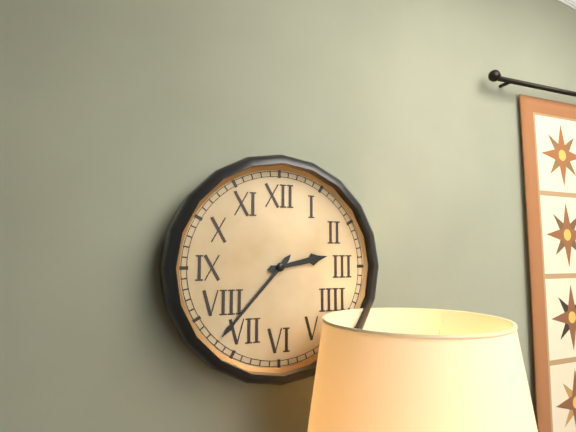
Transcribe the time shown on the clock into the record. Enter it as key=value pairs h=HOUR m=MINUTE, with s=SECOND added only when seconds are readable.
h=2 m=37
